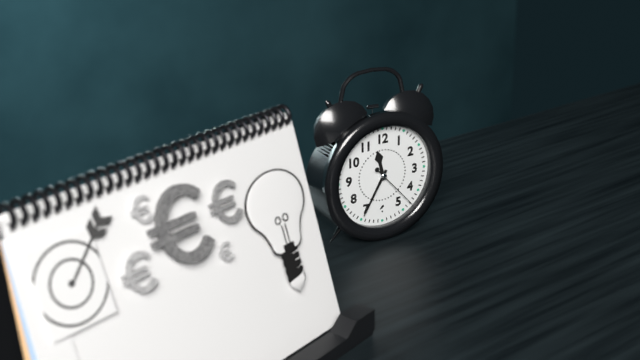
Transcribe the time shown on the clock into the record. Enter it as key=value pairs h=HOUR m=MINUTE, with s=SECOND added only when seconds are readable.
h=11 m=35 s=23
